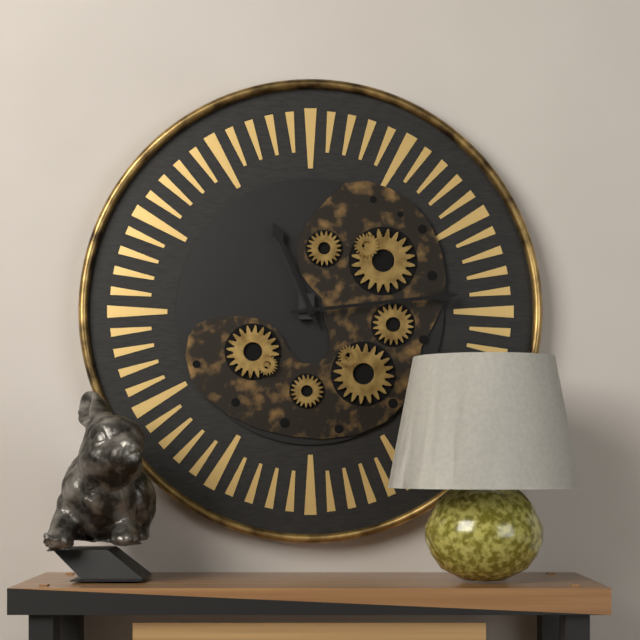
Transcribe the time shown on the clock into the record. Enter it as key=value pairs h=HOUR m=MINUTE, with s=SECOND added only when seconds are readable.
h=11 m=14
